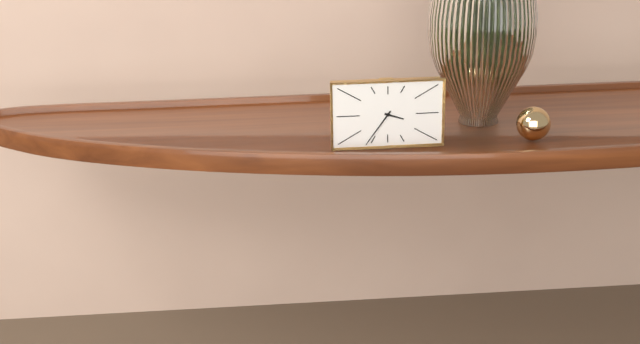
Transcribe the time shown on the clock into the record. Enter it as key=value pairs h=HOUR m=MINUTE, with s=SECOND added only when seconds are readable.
h=3 m=36
